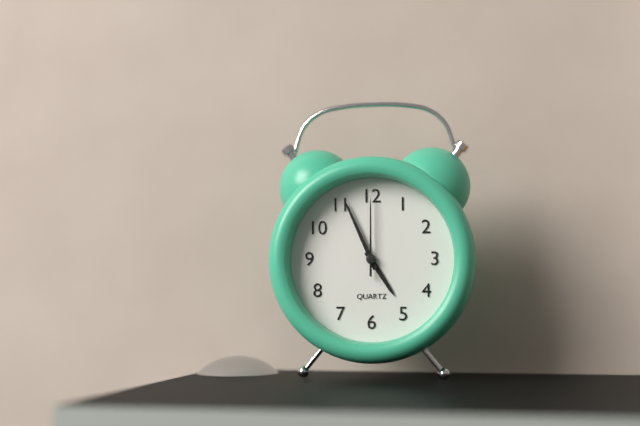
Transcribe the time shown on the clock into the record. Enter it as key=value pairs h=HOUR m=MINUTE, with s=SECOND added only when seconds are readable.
h=4 m=56 s=0
